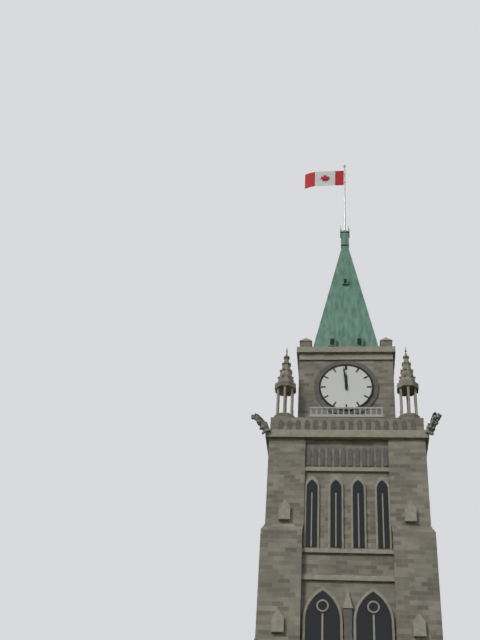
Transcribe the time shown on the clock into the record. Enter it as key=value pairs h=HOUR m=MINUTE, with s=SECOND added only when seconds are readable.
h=11 m=59
